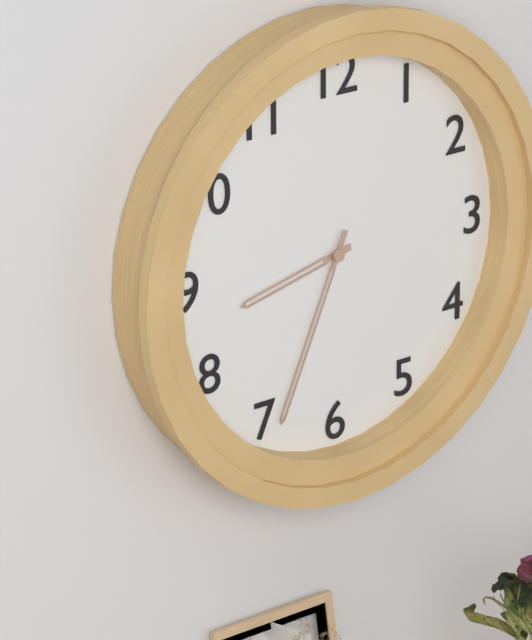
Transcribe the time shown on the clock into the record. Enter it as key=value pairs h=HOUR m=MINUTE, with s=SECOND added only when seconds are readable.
h=8 m=34
